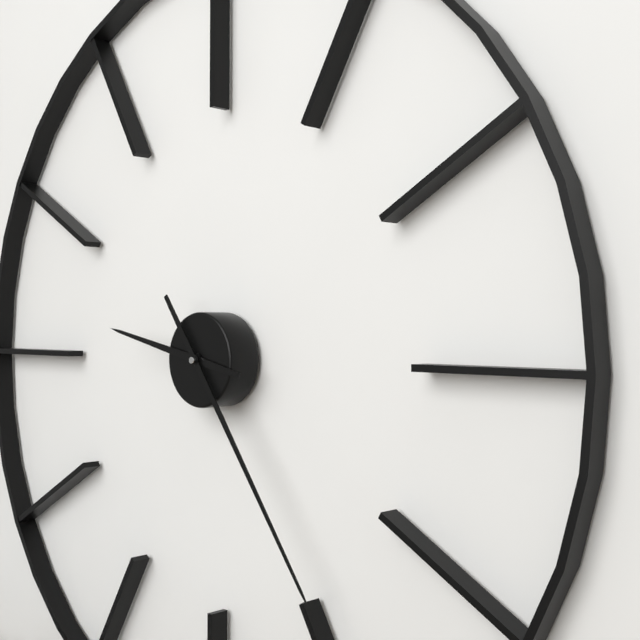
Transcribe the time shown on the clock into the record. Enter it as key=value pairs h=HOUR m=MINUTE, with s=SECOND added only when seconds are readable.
h=9 m=24
